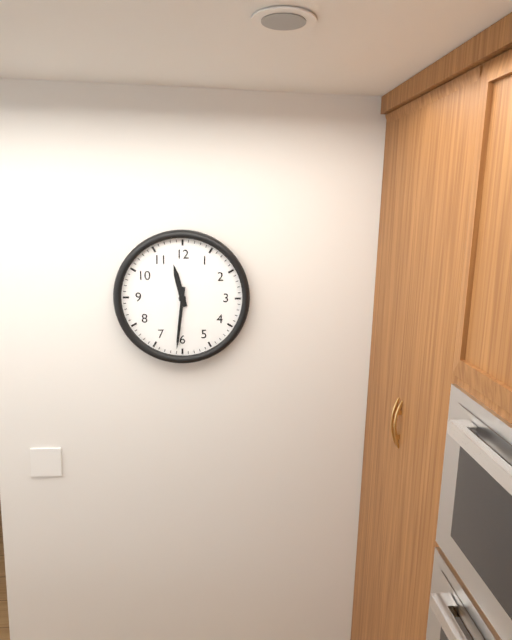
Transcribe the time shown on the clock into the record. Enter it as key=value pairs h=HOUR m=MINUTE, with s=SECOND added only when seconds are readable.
h=11 m=31
